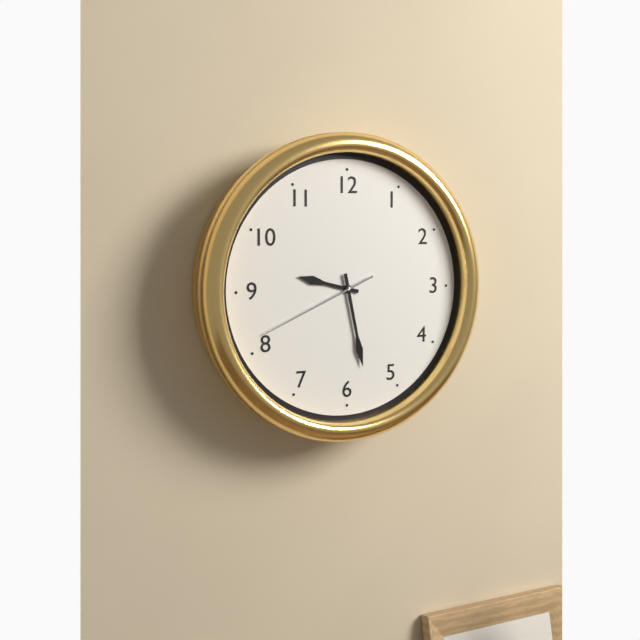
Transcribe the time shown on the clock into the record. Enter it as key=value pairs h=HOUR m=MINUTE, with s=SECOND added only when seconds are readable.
h=9 m=28 s=41
